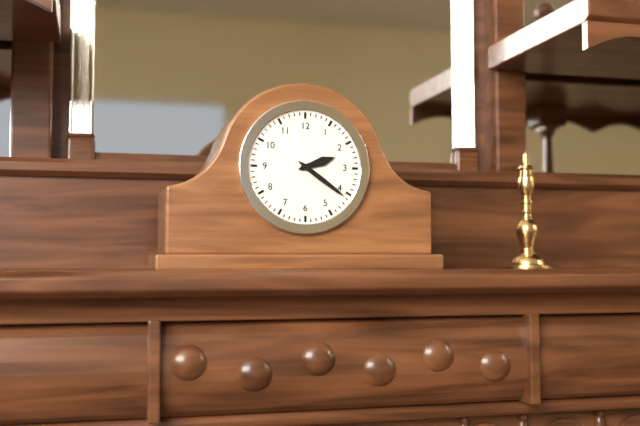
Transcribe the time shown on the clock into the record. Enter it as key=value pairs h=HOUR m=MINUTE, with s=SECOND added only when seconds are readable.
h=2 m=21
